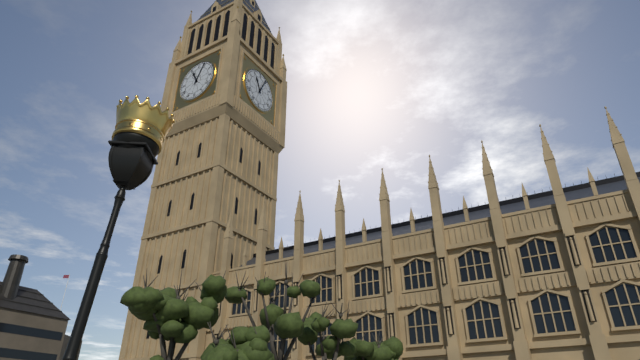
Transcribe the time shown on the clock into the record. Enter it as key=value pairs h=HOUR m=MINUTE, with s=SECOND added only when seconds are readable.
h=11 m=4
